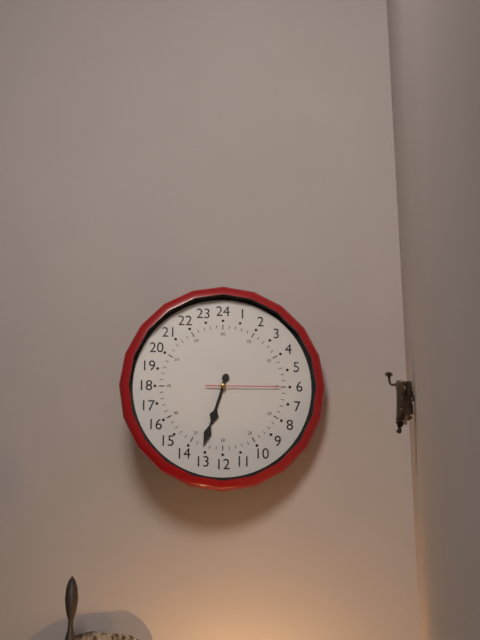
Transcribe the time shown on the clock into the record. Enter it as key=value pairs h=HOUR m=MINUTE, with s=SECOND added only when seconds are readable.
h=6 m=33 s=15
